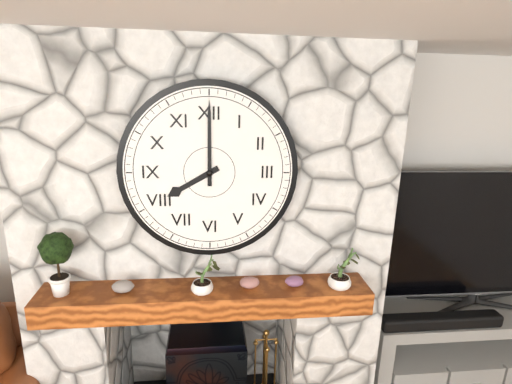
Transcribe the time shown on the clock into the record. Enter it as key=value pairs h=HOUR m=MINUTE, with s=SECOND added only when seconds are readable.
h=8 m=0
